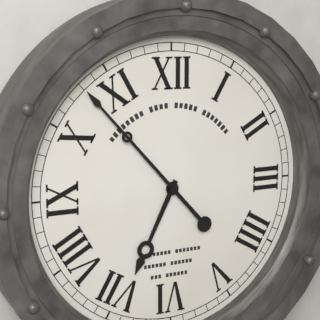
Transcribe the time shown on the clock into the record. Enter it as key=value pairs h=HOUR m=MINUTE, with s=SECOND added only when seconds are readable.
h=6 m=53
